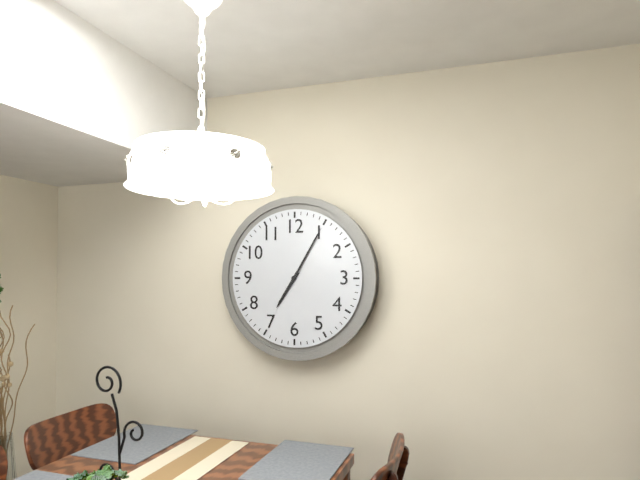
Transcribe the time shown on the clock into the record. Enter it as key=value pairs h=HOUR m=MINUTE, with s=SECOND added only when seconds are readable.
h=7 m=5
